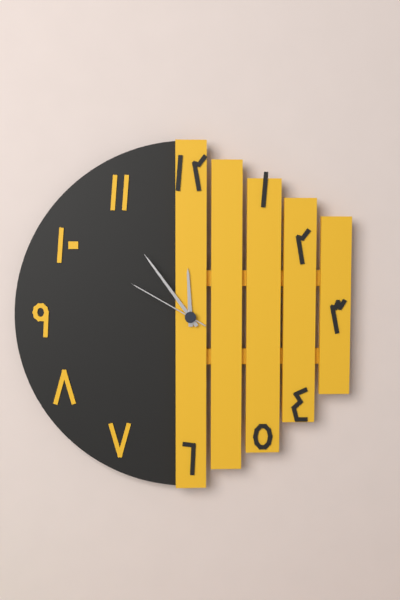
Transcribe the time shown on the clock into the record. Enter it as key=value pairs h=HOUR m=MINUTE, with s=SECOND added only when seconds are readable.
h=11 m=54 s=50
